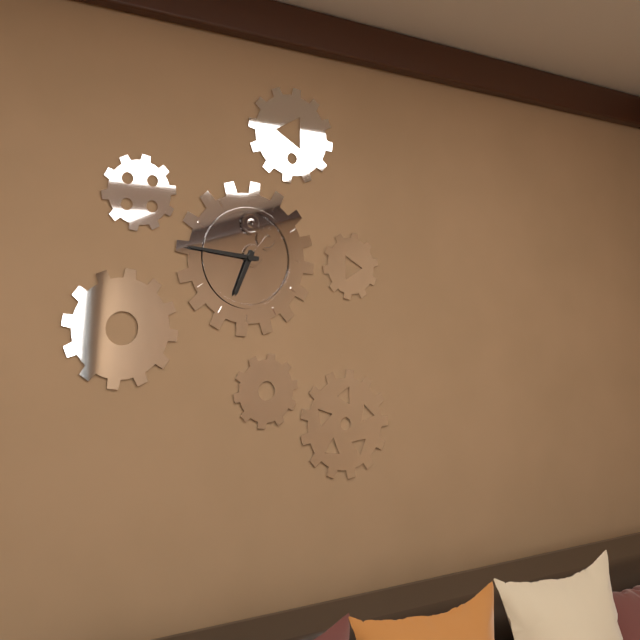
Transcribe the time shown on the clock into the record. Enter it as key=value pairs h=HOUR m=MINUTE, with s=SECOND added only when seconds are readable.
h=6 m=46
